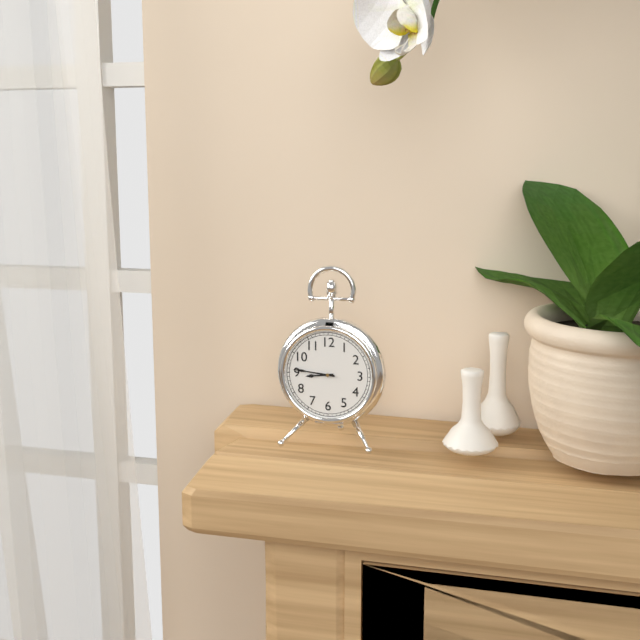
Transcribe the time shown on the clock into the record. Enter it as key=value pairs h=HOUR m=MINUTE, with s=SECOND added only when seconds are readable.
h=8 m=46
